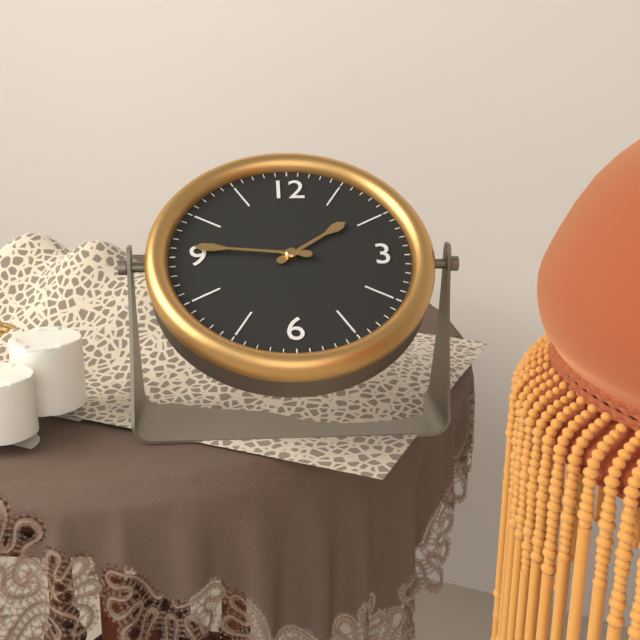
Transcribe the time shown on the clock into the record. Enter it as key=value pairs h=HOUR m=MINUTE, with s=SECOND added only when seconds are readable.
h=1 m=46
